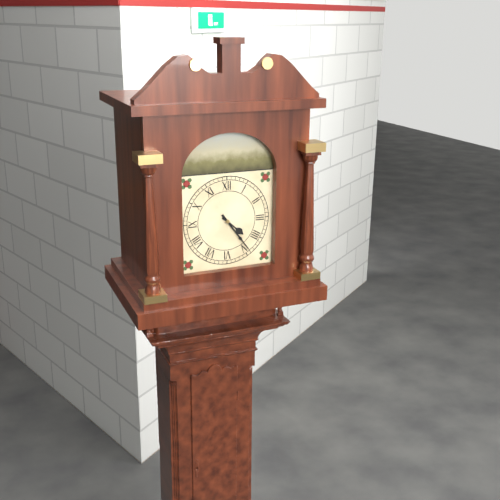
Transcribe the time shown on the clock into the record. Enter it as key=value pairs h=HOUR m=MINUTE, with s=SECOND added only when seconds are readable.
h=4 m=24
